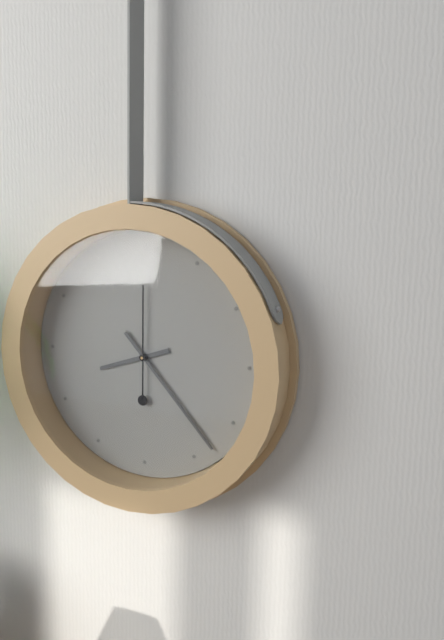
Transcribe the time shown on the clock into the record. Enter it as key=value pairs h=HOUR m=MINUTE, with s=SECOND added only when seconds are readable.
h=8 m=23 s=0
